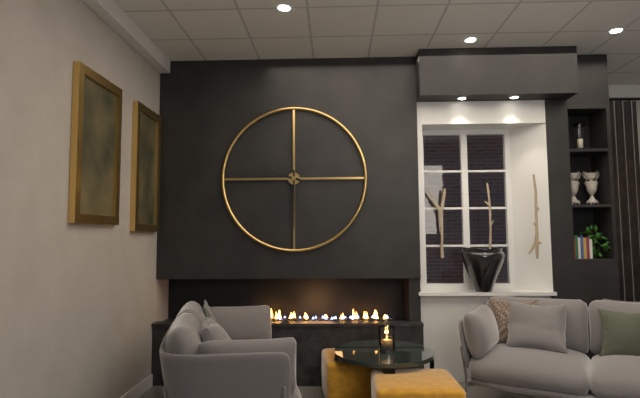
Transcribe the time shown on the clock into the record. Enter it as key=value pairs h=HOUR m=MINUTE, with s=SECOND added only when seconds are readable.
h=9 m=30
